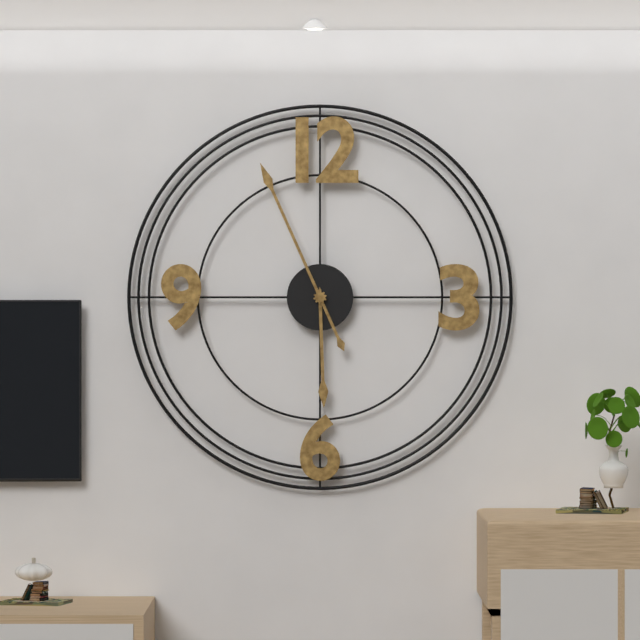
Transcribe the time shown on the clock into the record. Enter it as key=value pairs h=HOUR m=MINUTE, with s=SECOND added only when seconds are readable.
h=5 m=56
